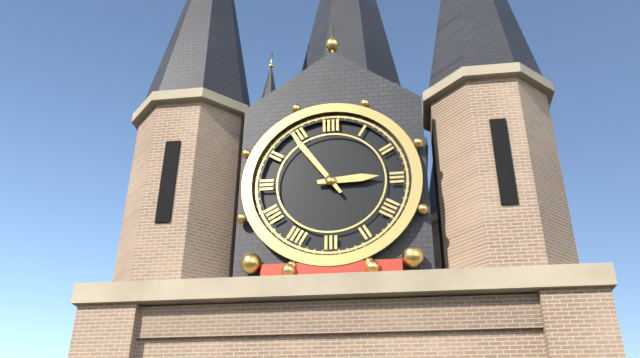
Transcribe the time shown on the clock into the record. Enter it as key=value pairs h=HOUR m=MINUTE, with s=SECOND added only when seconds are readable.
h=2 m=54
